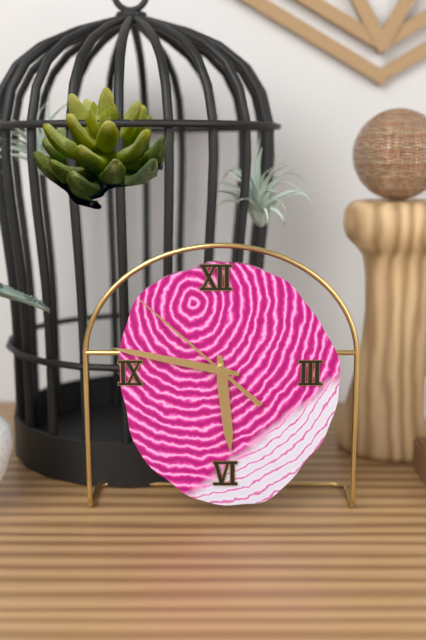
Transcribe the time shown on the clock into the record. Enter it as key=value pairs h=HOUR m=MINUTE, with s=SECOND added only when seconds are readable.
h=5 m=47 s=52
